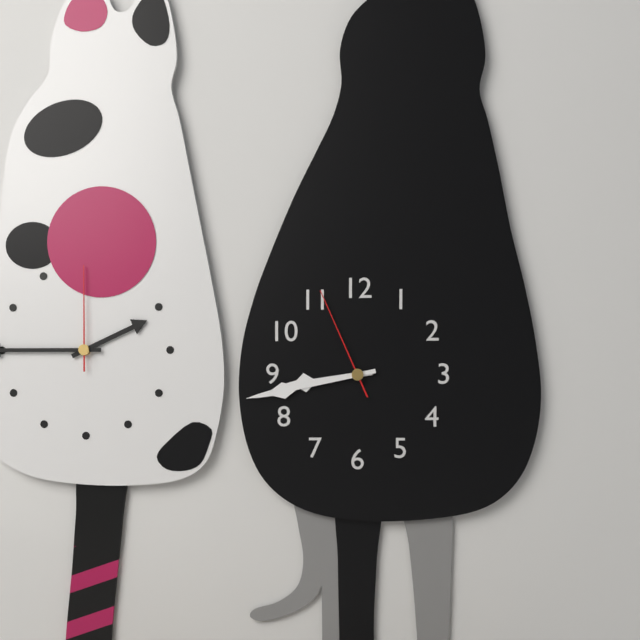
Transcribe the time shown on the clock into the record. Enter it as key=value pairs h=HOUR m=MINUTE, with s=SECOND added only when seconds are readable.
h=8 m=43 s=56
